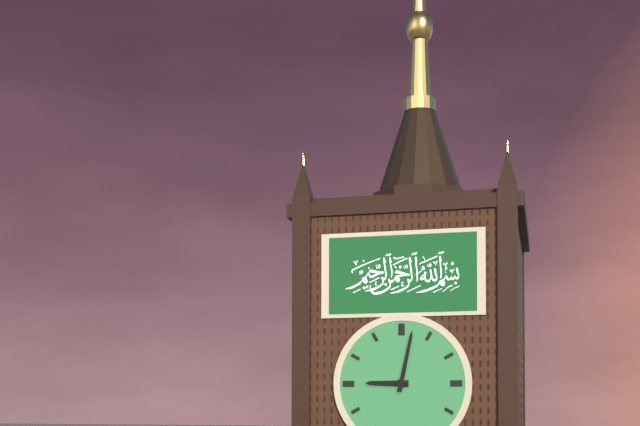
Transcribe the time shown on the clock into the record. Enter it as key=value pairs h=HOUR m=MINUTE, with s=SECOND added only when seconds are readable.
h=9 m=2
